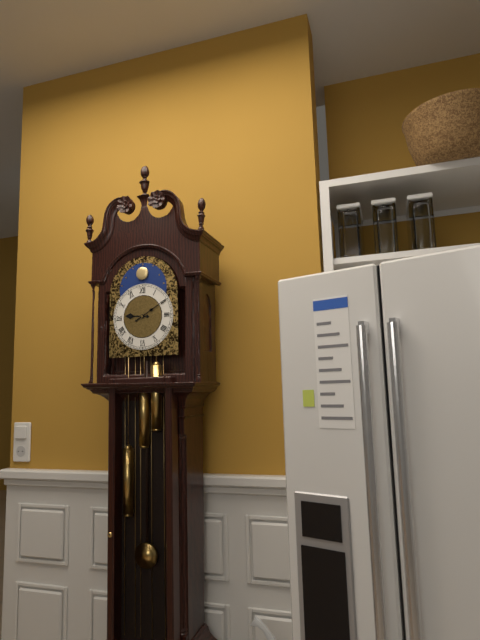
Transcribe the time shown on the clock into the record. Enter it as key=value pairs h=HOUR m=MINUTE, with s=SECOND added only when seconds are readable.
h=9 m=10
